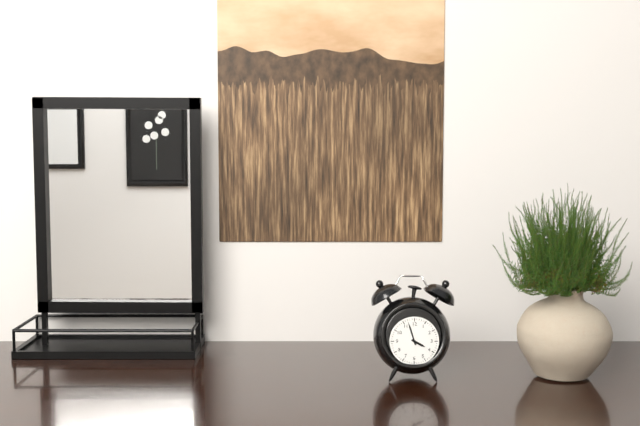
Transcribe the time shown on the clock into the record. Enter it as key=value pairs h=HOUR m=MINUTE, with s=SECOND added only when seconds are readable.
h=3 m=57
